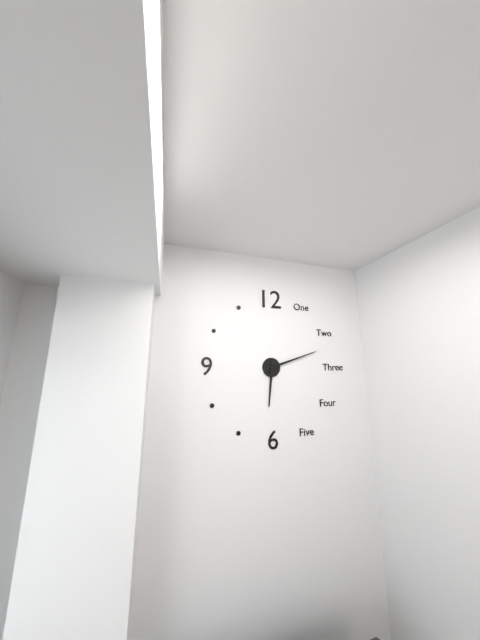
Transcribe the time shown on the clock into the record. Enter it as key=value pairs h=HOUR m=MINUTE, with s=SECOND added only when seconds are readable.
h=6 m=12
